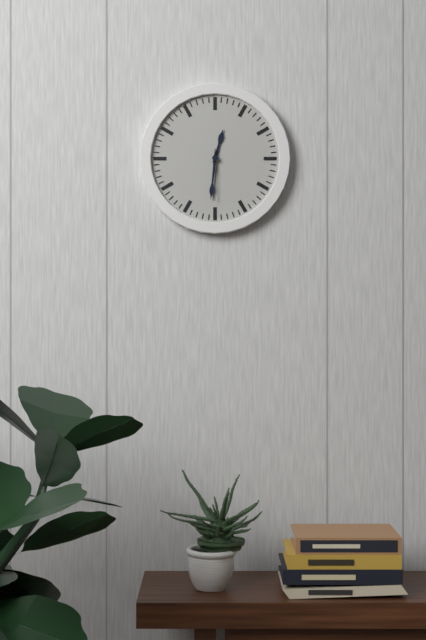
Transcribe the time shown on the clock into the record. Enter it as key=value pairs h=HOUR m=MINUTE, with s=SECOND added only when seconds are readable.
h=12 m=31 s=30
